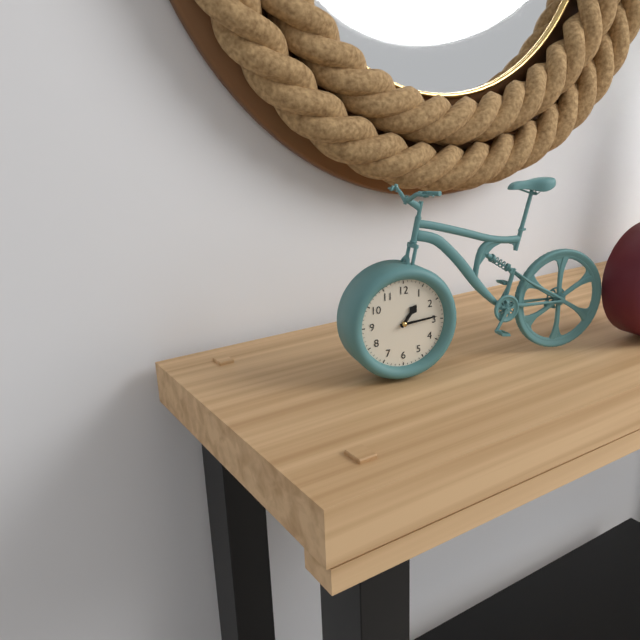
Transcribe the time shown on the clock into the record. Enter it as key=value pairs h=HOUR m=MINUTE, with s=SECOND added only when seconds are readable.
h=1 m=14
